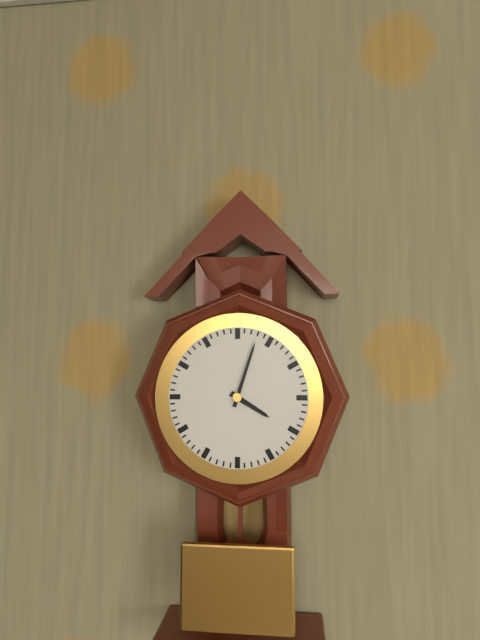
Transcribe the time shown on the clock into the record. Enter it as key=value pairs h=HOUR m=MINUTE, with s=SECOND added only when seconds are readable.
h=4 m=3
